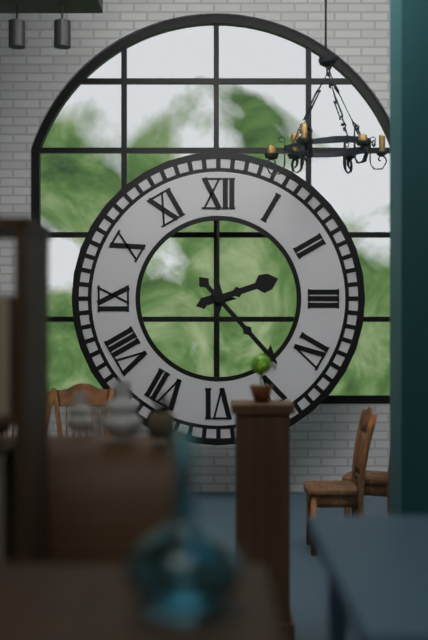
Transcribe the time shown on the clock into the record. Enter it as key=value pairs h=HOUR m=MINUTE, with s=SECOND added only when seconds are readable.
h=2 m=23
